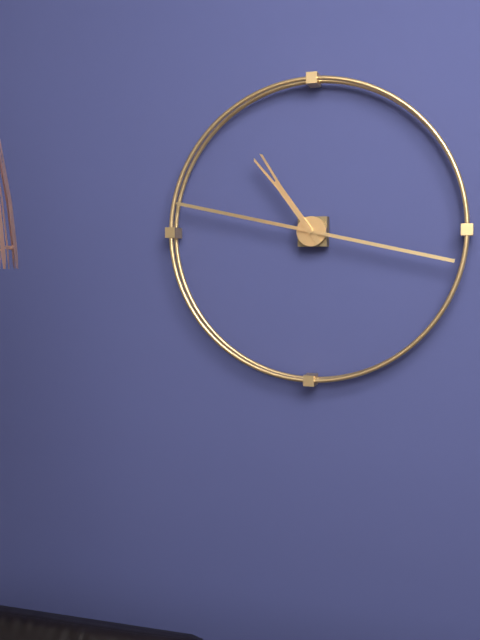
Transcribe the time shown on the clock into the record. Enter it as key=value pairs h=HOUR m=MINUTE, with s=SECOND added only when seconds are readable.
h=10 m=47
